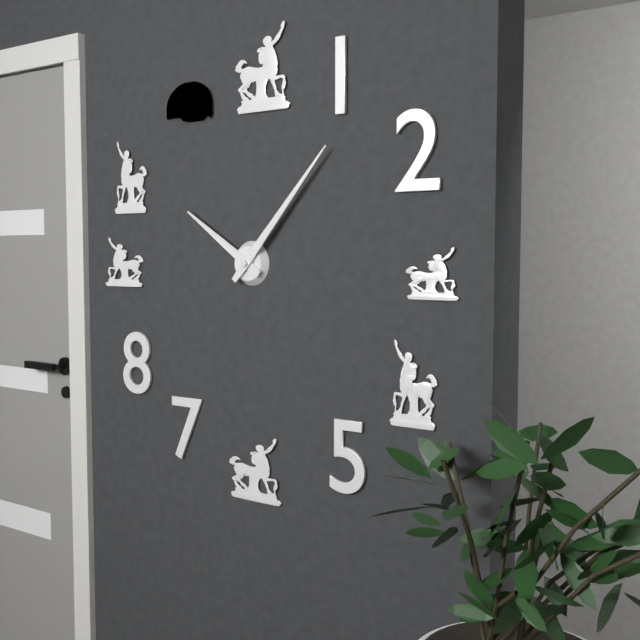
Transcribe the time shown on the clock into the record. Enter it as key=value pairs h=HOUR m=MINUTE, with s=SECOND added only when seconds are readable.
h=10 m=7
